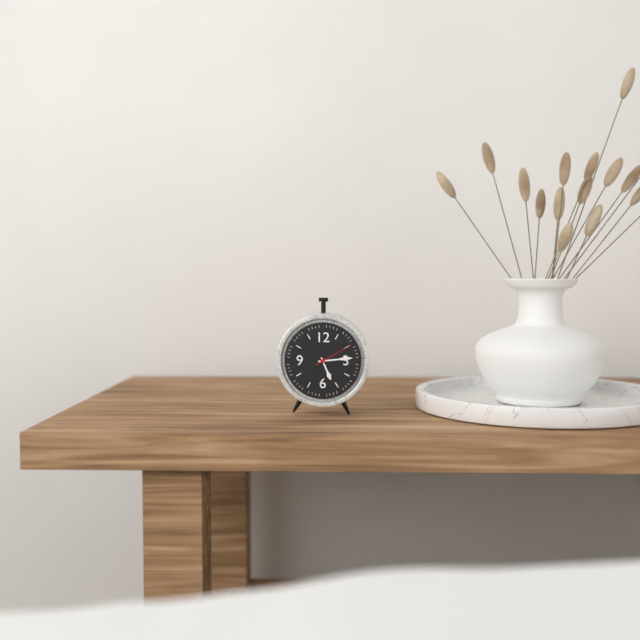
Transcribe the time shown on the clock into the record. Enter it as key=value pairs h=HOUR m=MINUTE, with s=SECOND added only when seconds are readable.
h=5 m=14
